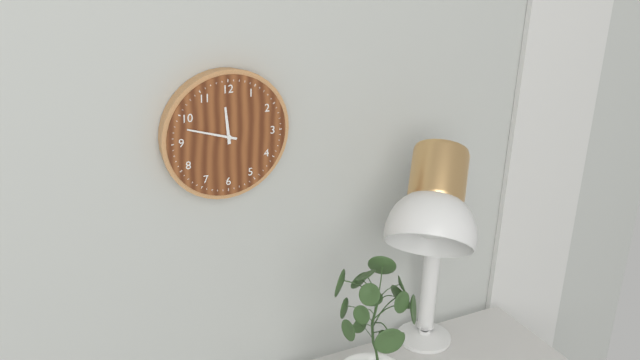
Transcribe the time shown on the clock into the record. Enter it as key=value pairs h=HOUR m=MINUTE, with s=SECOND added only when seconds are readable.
h=11 m=48
